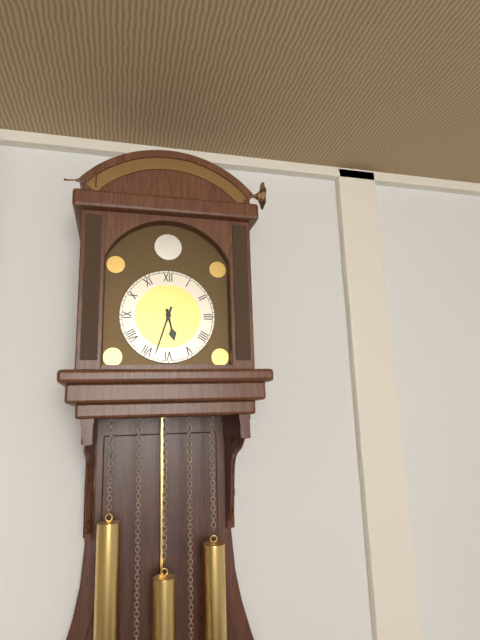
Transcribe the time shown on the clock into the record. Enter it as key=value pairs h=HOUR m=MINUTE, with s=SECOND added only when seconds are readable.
h=5 m=33
